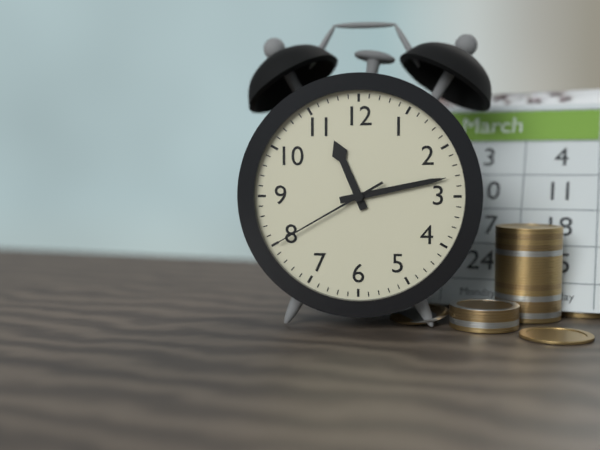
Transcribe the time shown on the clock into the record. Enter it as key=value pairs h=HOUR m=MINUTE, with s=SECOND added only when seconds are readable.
h=11 m=13 s=40
